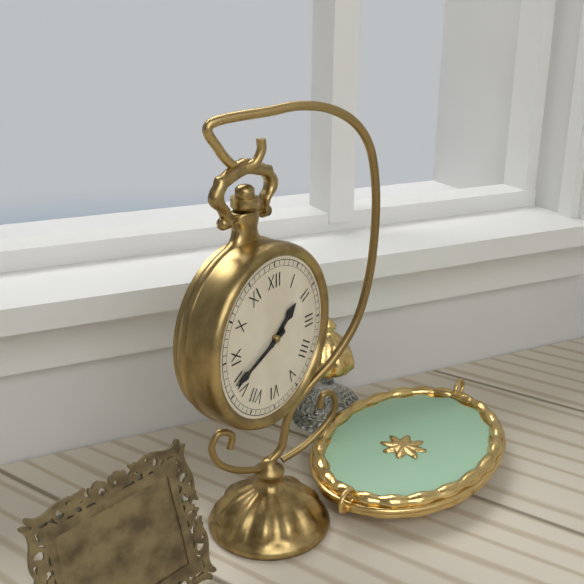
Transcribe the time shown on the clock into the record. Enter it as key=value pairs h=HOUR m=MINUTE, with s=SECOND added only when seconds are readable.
h=1 m=41
